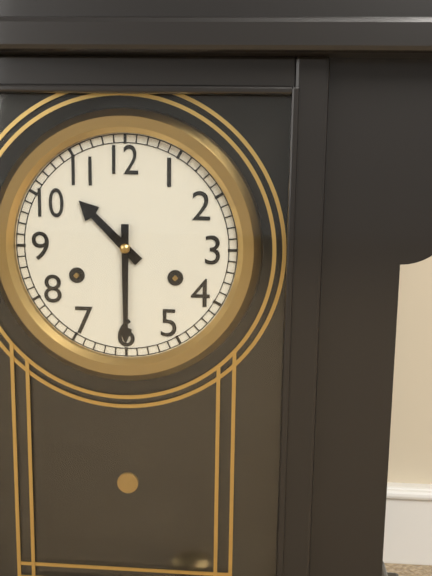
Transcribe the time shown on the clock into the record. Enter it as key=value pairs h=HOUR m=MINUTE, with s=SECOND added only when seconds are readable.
h=10 m=30
